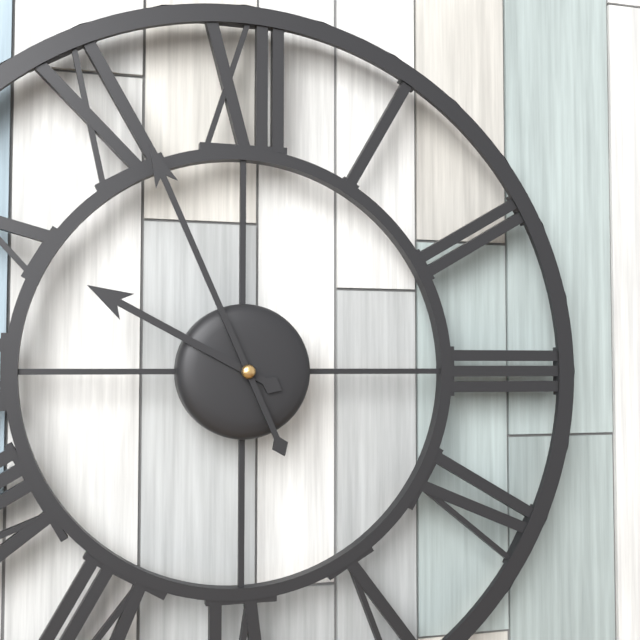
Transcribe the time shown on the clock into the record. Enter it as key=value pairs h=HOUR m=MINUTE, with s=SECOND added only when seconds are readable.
h=9 m=56
